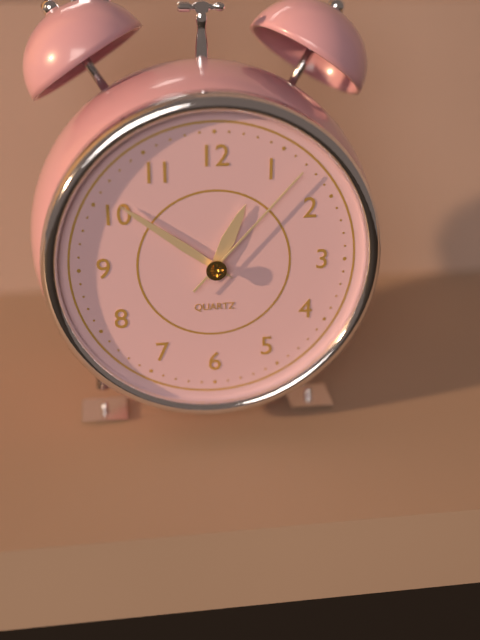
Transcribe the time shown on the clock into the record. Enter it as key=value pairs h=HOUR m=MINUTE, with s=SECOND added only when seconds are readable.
h=12 m=51 s=7
